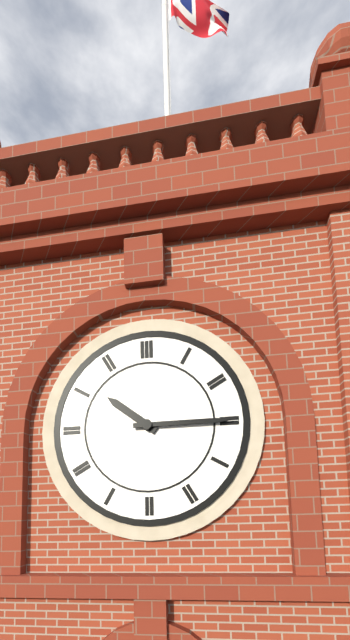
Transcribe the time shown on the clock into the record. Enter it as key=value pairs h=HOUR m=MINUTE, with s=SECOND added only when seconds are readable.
h=10 m=15
